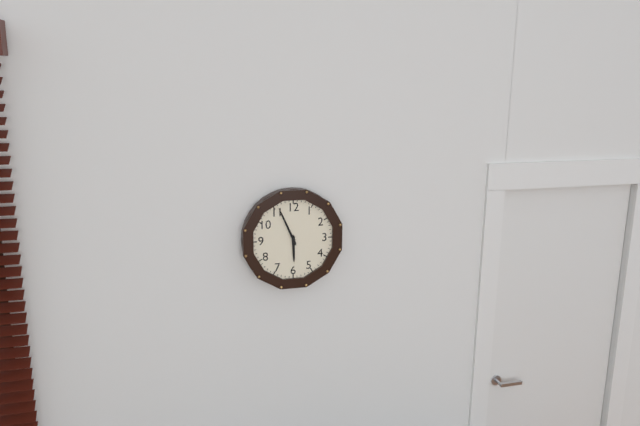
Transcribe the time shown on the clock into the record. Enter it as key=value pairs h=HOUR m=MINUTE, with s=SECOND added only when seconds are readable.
h=5 m=56
